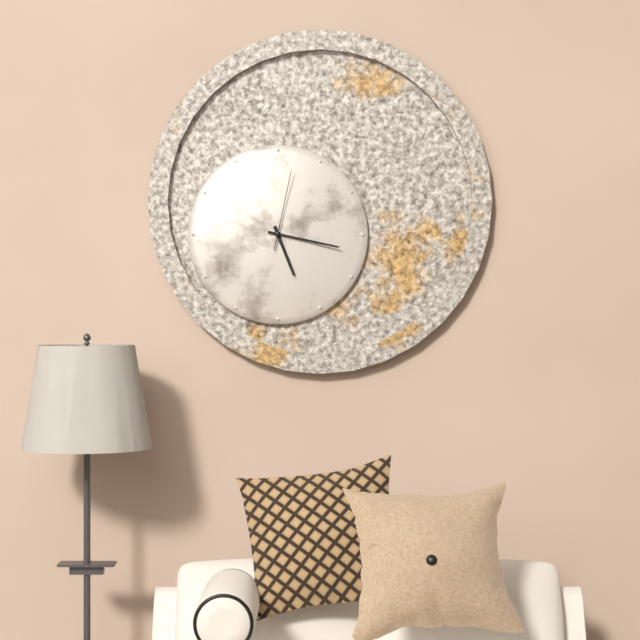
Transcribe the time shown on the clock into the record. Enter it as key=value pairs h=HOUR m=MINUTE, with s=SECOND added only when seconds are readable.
h=5 m=17 s=2
